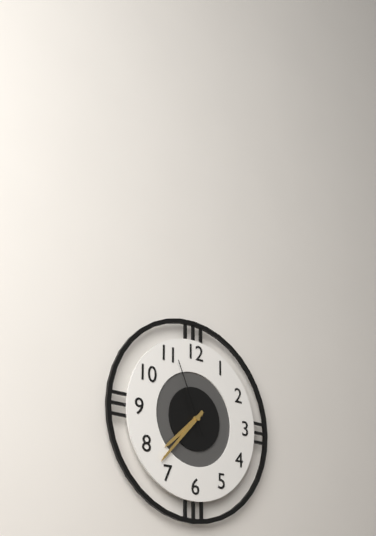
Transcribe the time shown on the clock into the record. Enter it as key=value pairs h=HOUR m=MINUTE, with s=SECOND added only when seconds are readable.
h=7 m=37 s=56
